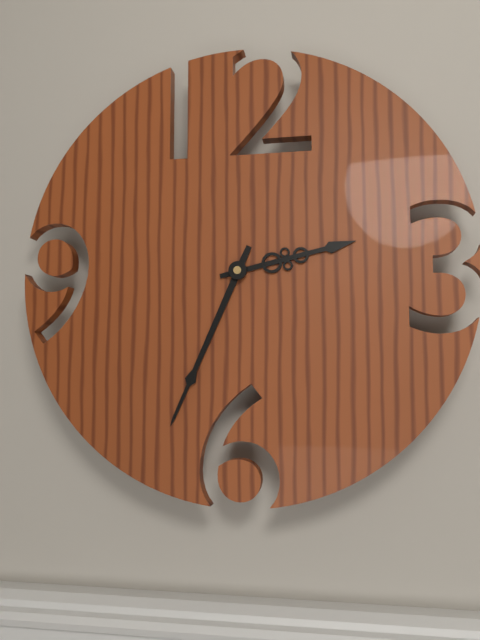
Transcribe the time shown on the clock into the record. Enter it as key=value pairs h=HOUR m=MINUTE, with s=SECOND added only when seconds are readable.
h=2 m=34
